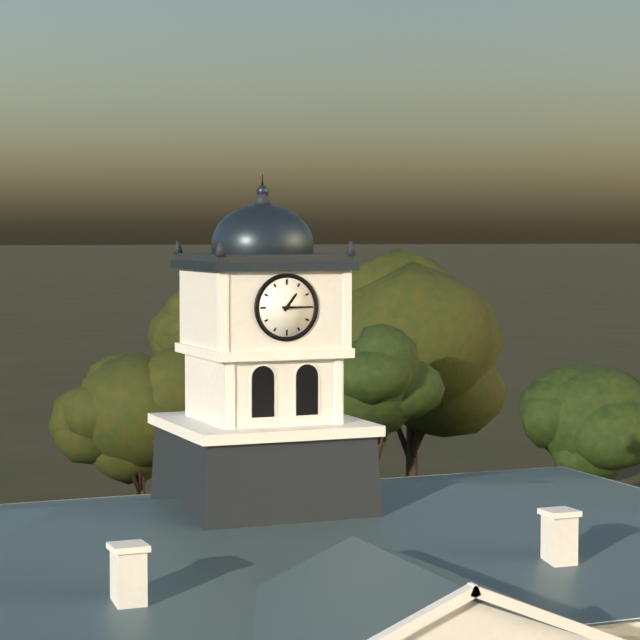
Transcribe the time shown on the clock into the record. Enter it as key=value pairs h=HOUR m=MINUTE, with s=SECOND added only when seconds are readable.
h=1 m=15
